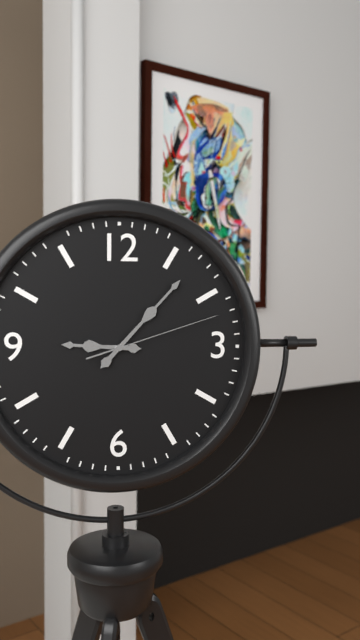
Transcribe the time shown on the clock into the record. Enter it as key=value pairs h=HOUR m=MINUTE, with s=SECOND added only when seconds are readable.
h=9 m=7 s=12
